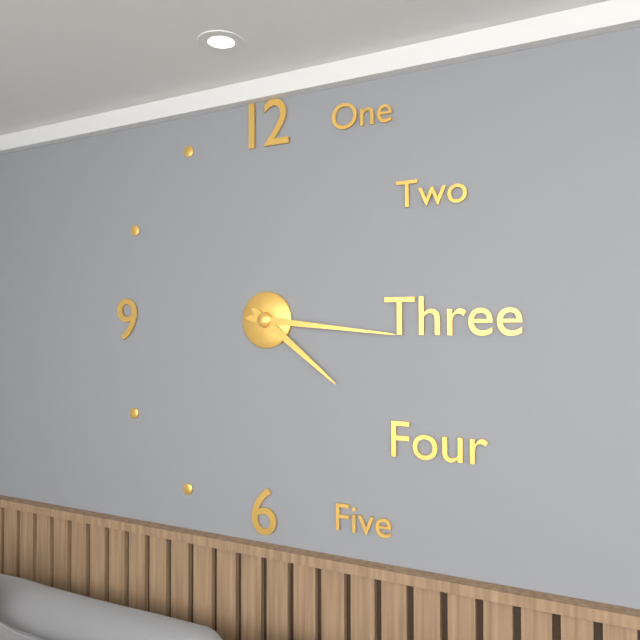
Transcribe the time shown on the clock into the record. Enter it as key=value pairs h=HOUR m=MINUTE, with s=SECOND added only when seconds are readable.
h=4 m=16
